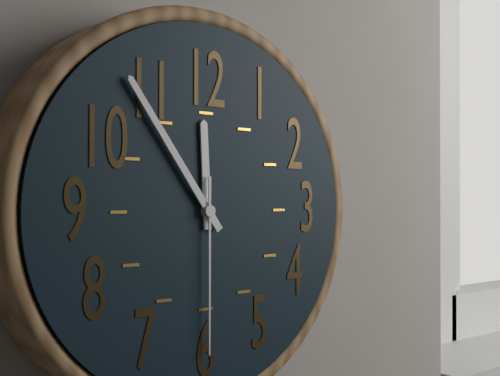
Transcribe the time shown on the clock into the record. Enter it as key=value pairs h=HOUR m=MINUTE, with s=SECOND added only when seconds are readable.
h=11 m=54 s=30
